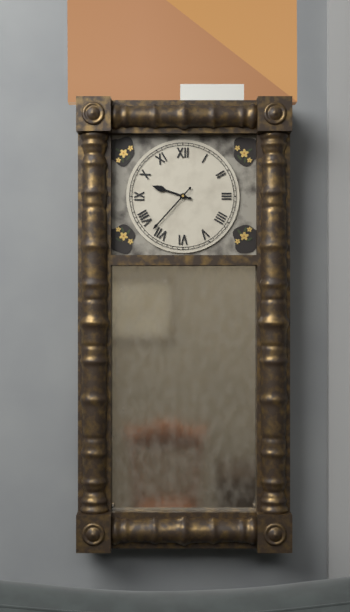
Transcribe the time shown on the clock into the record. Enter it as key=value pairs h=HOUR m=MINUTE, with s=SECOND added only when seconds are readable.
h=9 m=37
